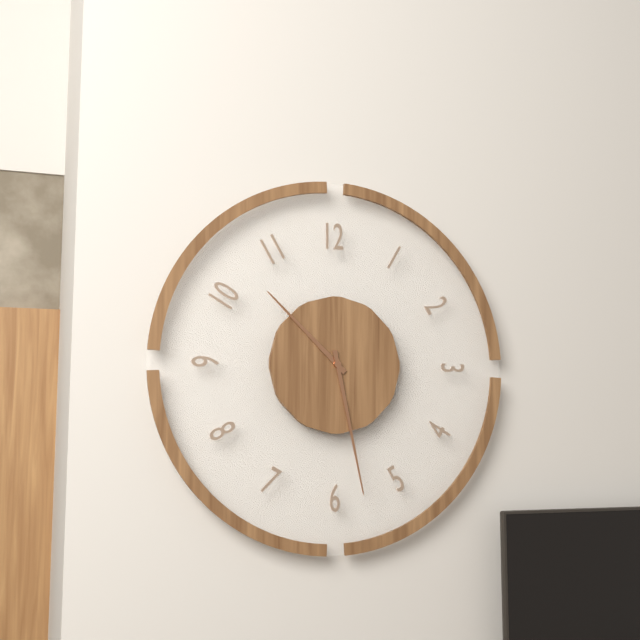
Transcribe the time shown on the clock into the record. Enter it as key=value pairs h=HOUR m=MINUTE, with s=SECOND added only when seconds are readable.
h=10 m=28
